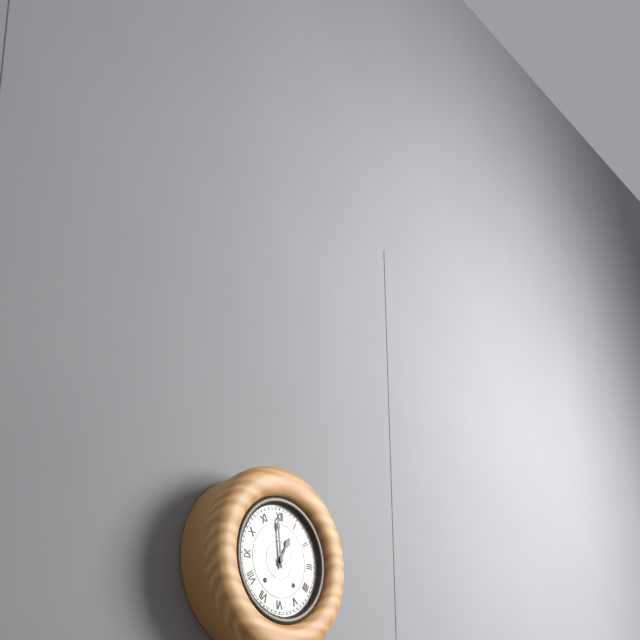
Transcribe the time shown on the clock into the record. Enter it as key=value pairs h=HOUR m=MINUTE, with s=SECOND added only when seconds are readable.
h=12 m=59
